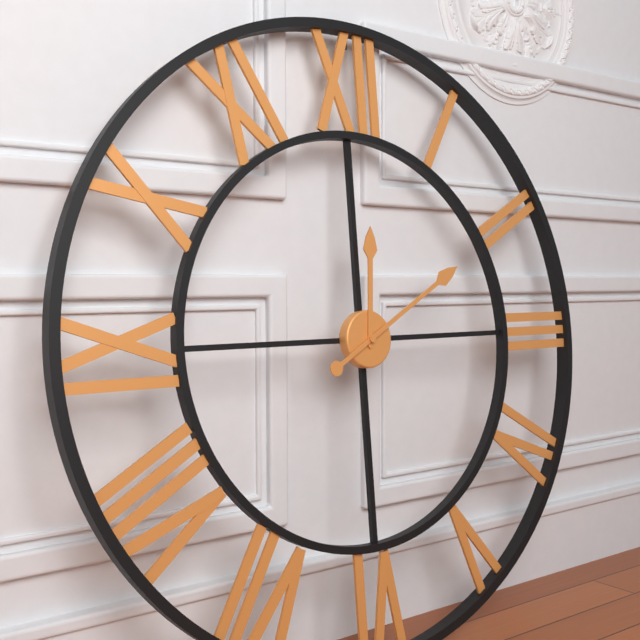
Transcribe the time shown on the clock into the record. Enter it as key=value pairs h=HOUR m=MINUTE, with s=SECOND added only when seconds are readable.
h=12 m=10
